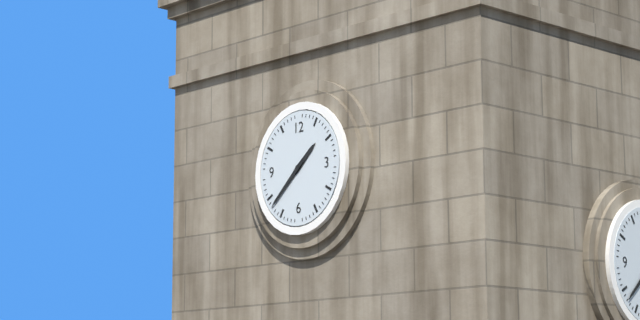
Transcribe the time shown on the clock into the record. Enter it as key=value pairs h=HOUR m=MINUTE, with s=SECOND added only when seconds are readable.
h=1 m=38
